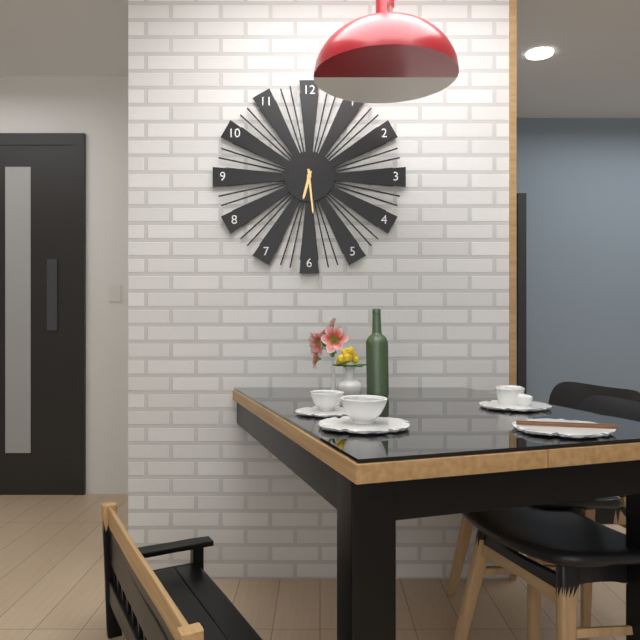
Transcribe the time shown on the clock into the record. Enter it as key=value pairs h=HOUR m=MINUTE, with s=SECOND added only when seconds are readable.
h=6 m=29
